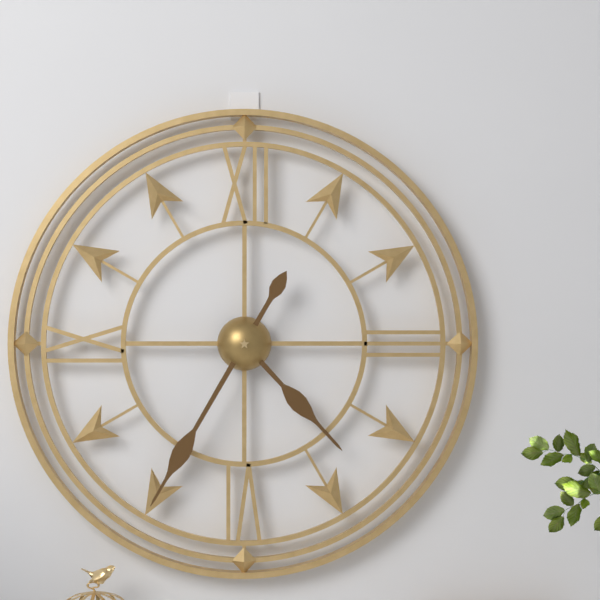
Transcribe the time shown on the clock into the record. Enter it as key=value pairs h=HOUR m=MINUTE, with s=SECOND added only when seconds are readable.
h=4 m=35
